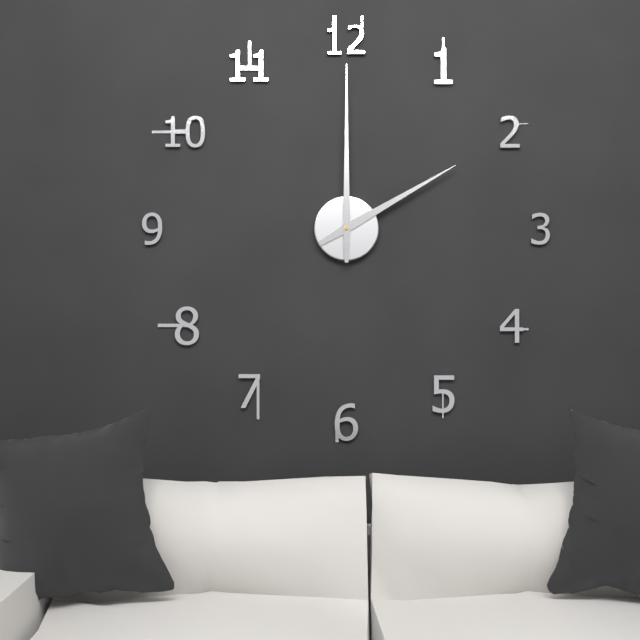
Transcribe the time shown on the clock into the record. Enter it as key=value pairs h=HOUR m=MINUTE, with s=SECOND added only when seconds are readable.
h=2 m=0
